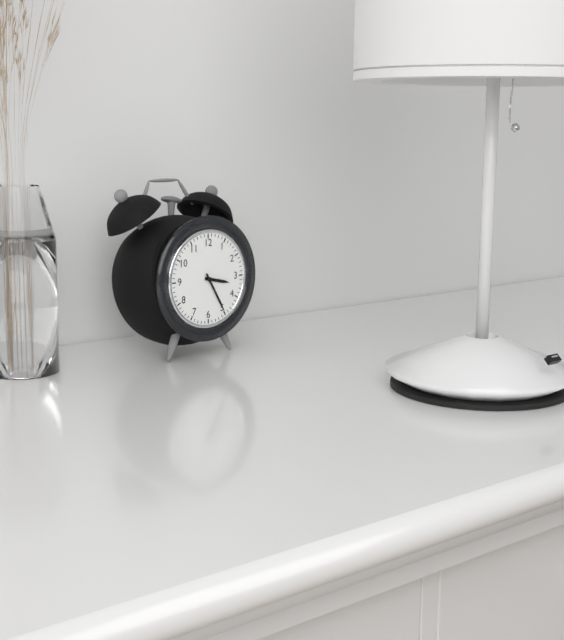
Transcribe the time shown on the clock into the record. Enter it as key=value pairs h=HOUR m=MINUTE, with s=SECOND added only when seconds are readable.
h=3 m=25
